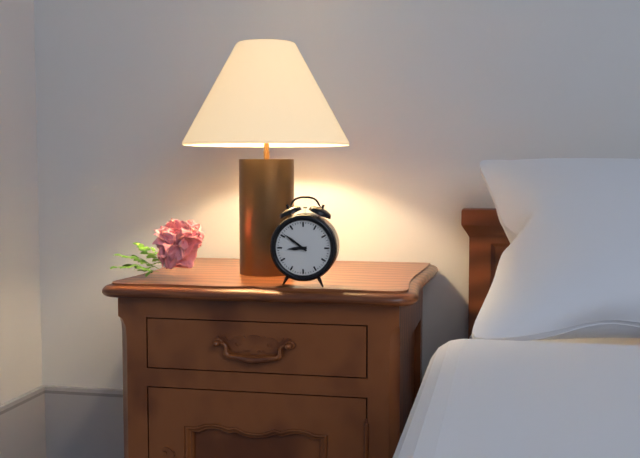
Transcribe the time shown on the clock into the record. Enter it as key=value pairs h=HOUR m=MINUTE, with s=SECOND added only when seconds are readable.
h=8 m=51
